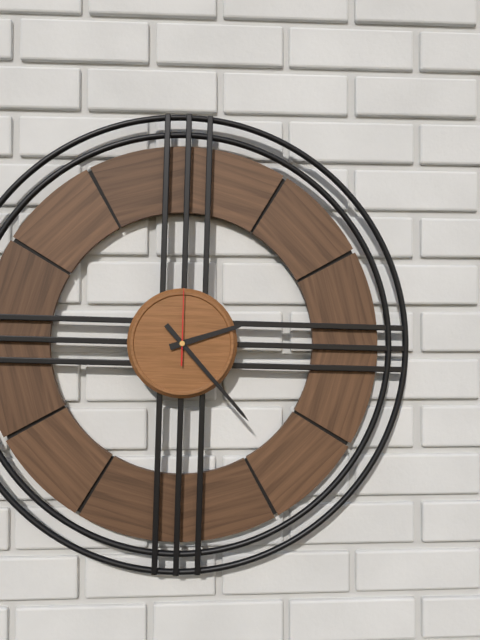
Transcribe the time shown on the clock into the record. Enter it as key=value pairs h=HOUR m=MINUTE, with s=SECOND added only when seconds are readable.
h=2 m=23 s=0
